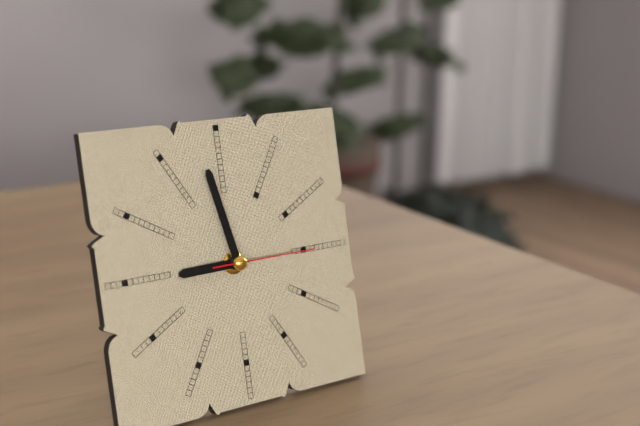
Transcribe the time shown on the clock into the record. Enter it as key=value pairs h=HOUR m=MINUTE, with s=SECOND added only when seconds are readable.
h=8 m=58 s=15
